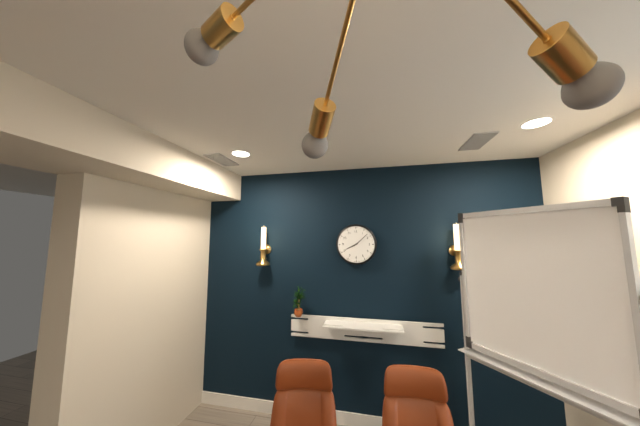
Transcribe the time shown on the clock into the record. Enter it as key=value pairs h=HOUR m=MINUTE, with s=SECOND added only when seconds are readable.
h=8 m=8
